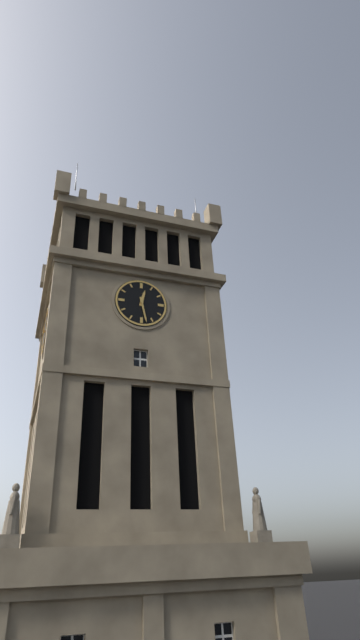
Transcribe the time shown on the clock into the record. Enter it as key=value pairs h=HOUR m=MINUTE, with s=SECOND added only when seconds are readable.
h=12 m=28
